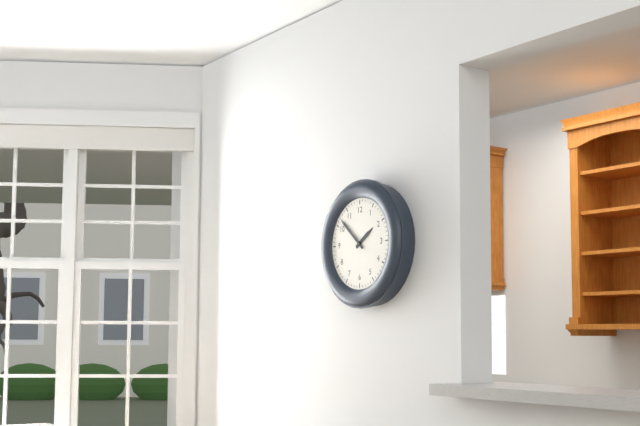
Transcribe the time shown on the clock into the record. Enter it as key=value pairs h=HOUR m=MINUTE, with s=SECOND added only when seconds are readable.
h=1 m=52
